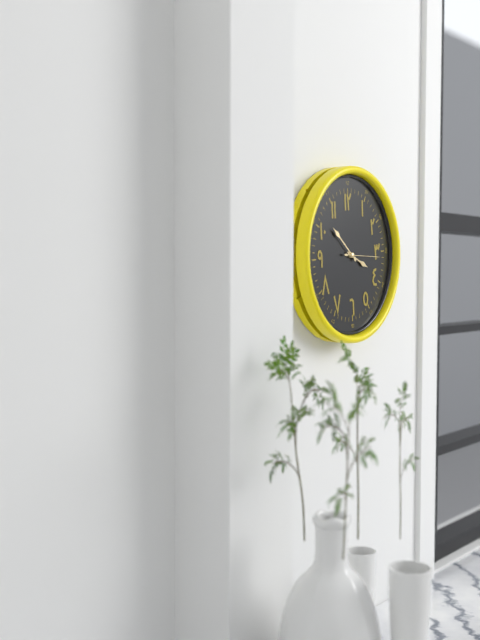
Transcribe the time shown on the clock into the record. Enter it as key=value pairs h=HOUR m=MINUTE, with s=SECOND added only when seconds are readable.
h=3 m=52 s=16
